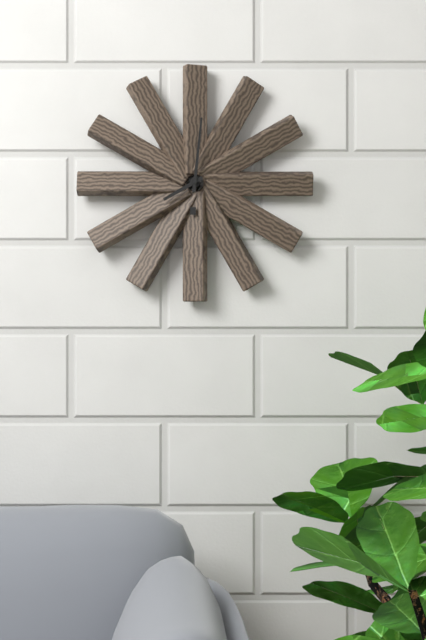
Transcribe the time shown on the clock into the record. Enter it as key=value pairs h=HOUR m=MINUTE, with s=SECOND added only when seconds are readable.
h=8 m=1
